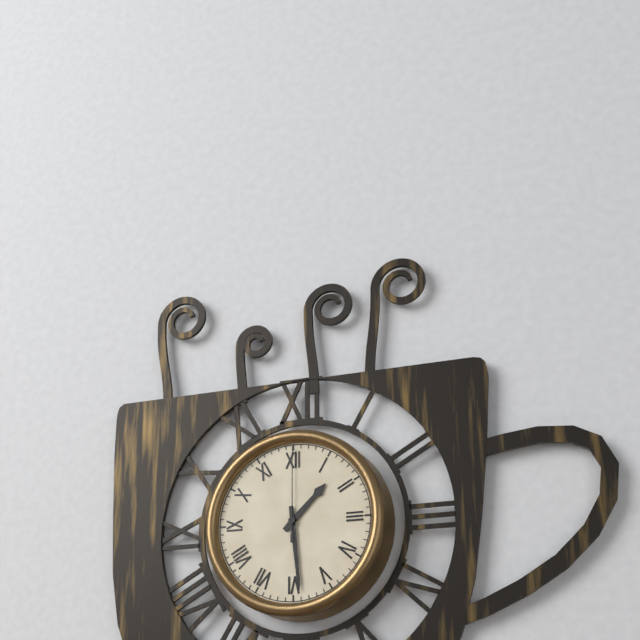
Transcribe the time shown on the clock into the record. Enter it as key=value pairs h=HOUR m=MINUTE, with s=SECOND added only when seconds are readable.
h=1 m=29 s=0
